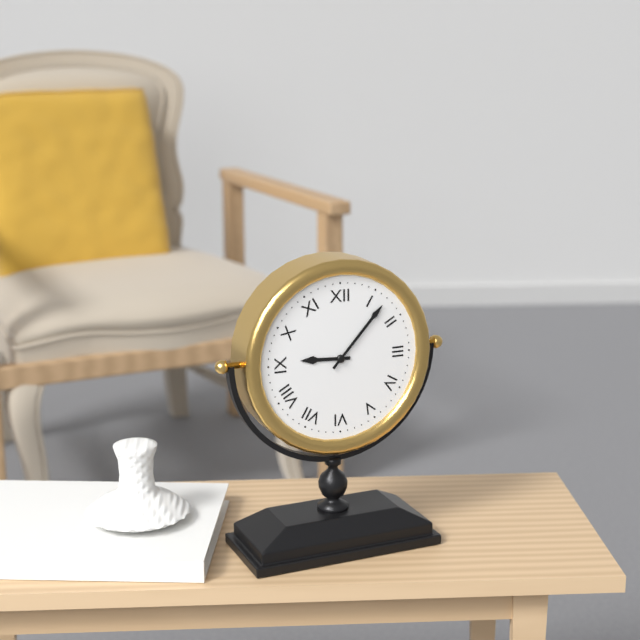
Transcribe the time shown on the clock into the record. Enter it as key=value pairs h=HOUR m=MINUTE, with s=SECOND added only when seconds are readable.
h=9 m=7
